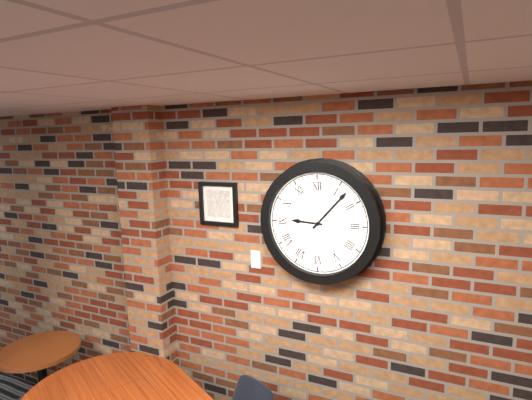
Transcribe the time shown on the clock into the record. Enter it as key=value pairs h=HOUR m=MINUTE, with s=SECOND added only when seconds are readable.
h=9 m=7
